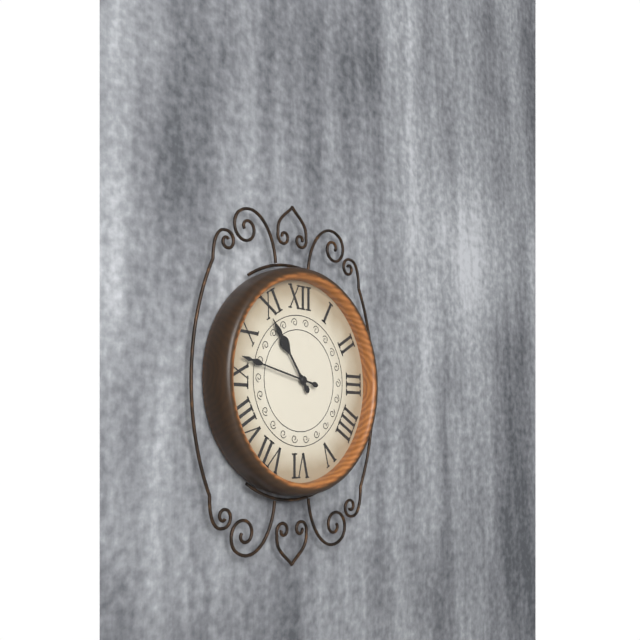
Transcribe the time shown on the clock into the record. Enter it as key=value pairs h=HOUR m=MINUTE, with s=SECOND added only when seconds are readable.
h=10 m=47
